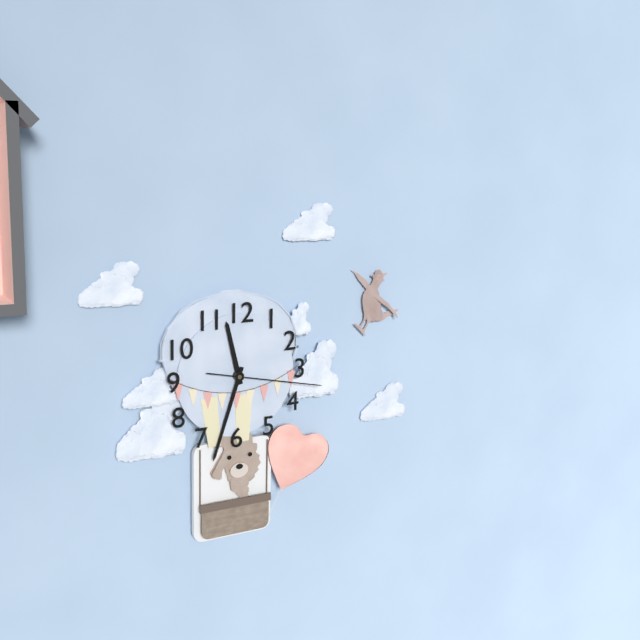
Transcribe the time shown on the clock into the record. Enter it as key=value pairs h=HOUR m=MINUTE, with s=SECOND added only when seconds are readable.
h=11 m=33 s=17
